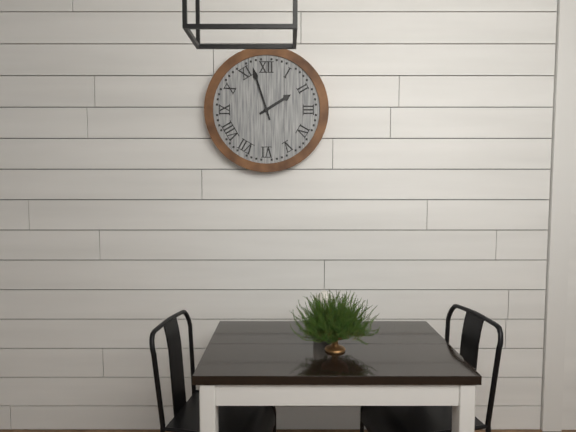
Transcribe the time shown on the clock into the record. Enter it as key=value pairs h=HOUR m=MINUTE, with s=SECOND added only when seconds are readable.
h=1 m=57
